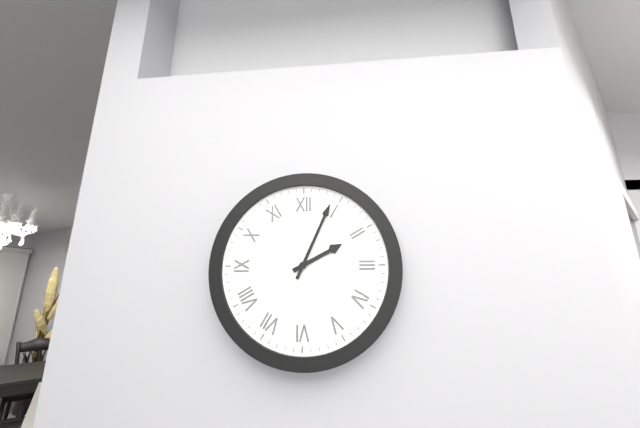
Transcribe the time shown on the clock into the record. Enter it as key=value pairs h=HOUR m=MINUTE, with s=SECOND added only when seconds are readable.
h=2 m=4
